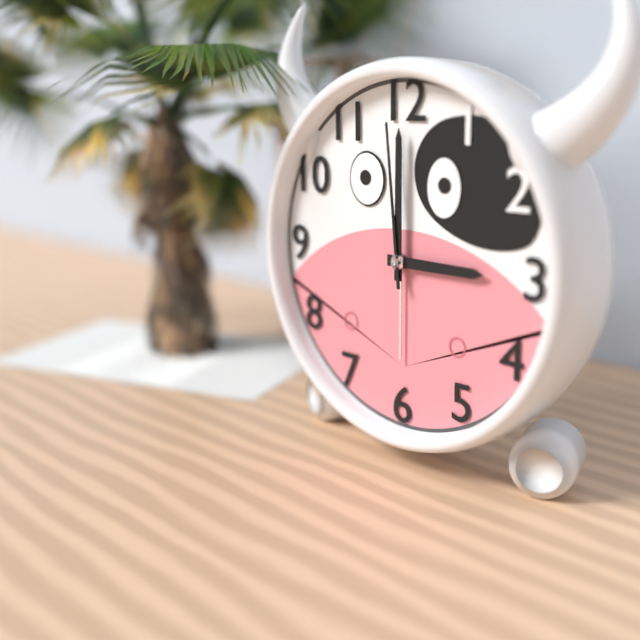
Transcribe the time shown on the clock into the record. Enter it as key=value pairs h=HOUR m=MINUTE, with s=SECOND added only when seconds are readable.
h=3 m=0 s=59
